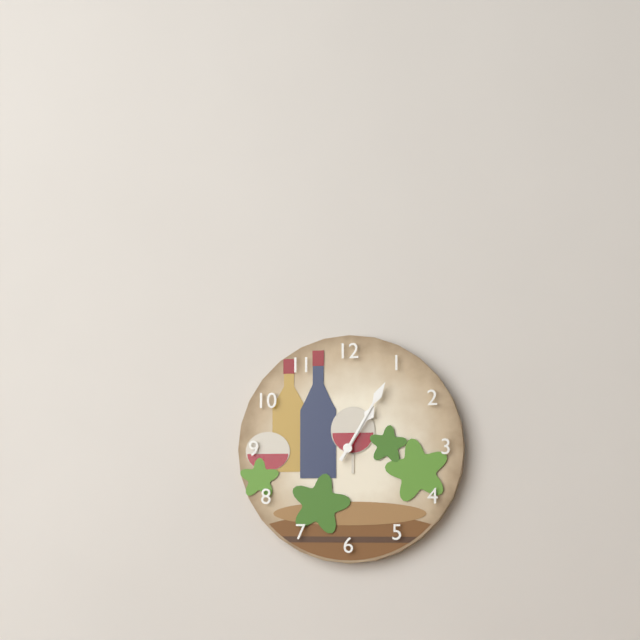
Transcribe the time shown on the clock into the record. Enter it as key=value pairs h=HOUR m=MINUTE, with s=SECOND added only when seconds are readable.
h=1 m=5
